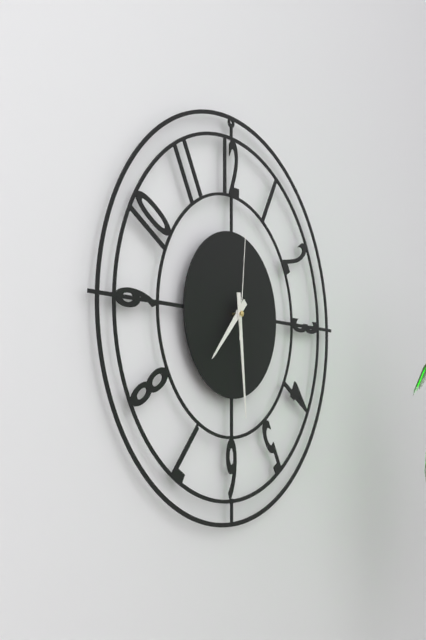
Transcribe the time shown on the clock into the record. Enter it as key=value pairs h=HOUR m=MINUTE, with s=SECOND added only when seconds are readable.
h=7 m=29 s=1
